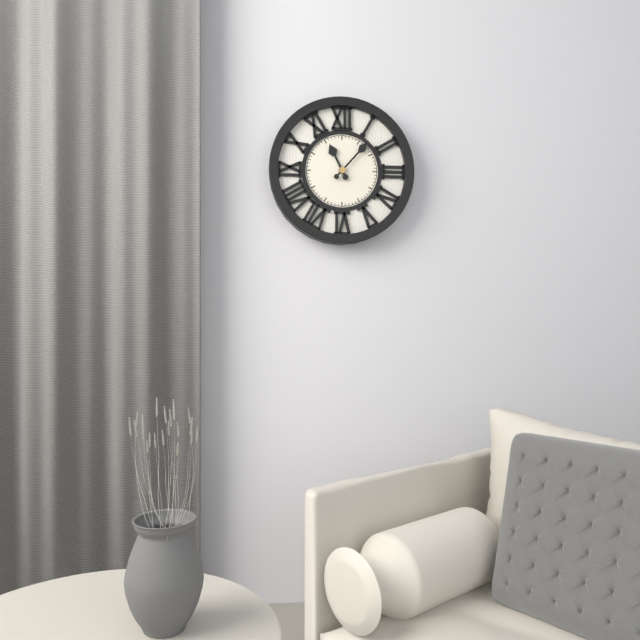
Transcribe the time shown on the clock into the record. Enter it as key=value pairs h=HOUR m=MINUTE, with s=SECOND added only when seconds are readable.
h=11 m=7
